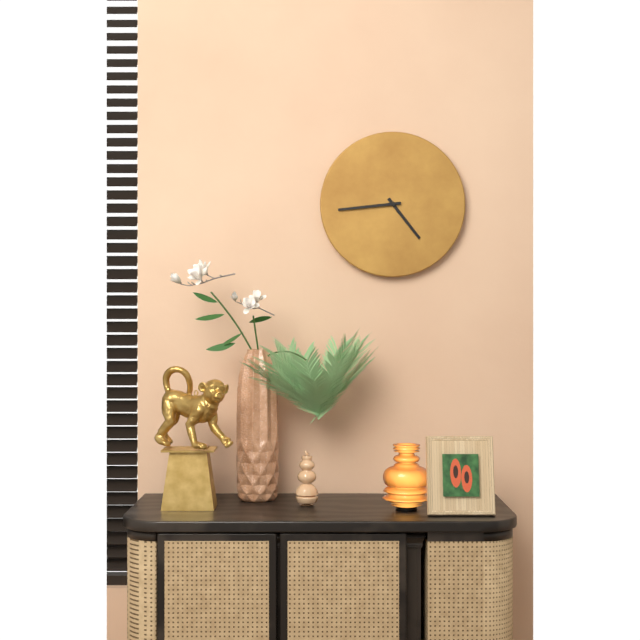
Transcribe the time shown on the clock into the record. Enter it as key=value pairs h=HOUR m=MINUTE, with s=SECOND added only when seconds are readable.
h=4 m=44
